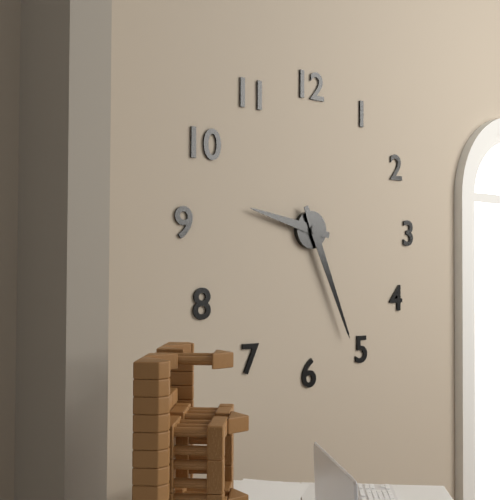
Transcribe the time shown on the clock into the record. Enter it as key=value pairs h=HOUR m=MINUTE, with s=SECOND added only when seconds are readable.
h=9 m=26
